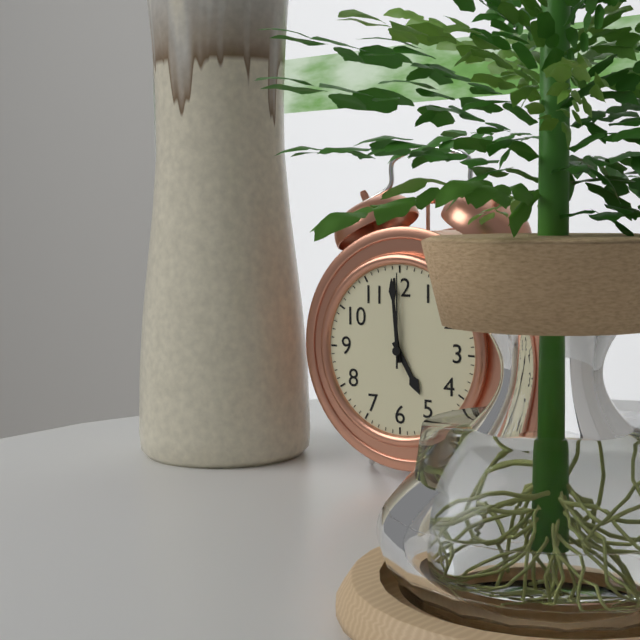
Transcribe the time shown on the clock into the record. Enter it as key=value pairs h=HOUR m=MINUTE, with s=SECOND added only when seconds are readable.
h=4 m=59 s=0
